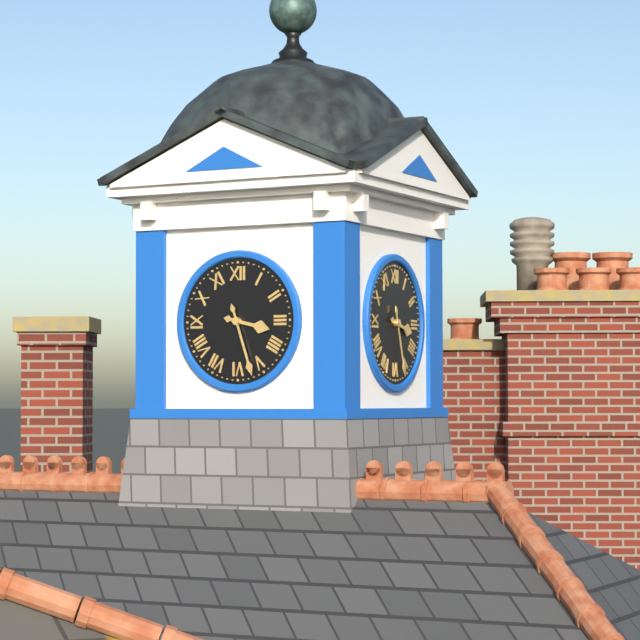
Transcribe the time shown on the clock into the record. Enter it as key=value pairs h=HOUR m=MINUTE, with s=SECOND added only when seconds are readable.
h=3 m=27
